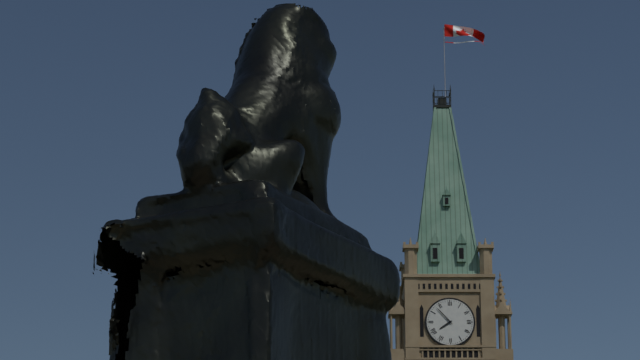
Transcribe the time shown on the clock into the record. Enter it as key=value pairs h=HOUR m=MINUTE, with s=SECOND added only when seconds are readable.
h=7 m=53
